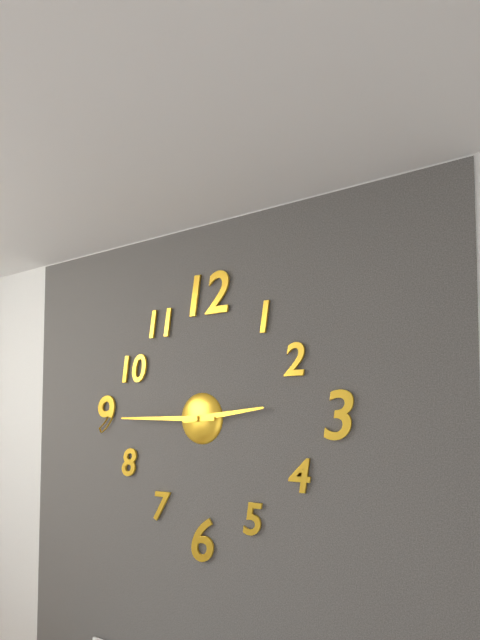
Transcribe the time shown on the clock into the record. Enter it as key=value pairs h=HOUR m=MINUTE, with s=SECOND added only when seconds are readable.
h=2 m=45
